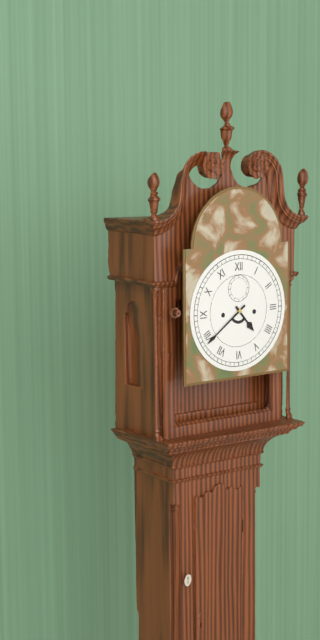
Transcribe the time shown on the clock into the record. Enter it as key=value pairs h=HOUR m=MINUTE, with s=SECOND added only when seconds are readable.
h=4 m=39
